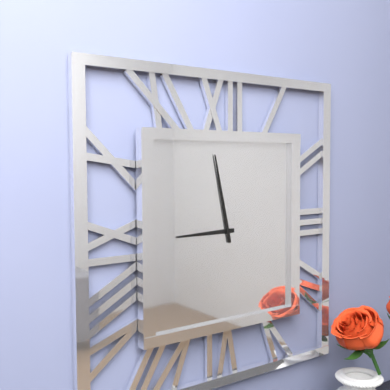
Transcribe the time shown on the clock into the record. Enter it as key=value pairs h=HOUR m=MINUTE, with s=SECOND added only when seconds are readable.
h=8 m=58
